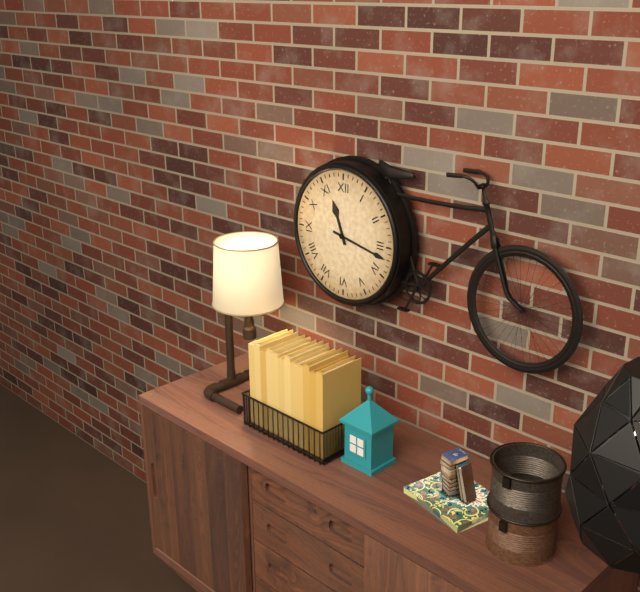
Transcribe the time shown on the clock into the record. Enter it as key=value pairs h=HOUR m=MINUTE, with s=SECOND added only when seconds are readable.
h=11 m=17
